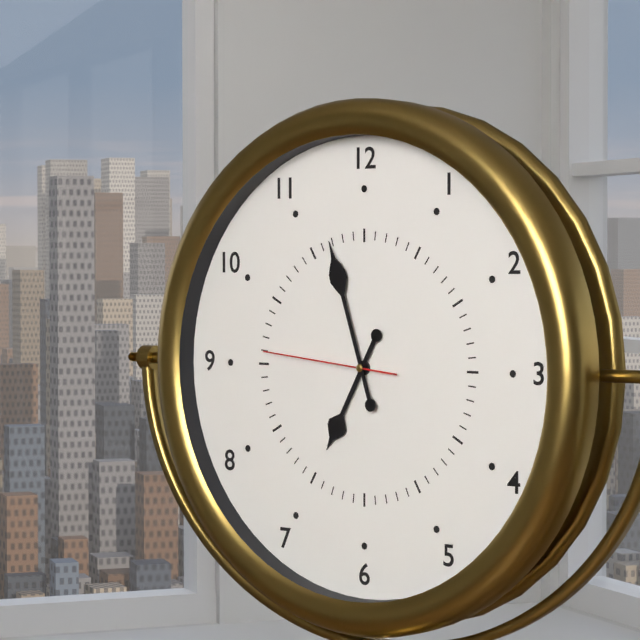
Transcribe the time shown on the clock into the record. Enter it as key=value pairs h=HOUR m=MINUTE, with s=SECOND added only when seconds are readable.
h=6 m=57 s=46
